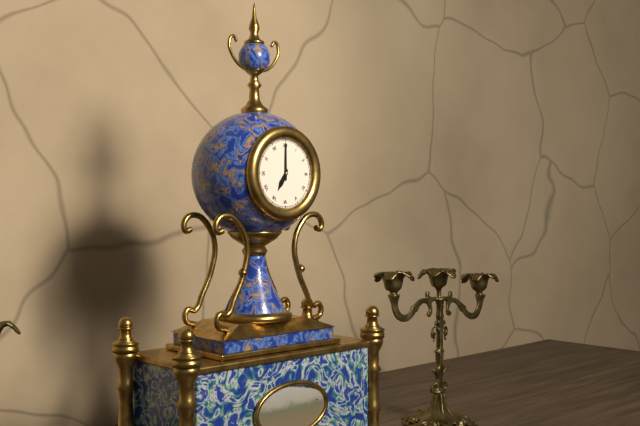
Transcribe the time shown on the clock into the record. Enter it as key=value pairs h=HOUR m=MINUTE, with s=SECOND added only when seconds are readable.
h=7 m=0
